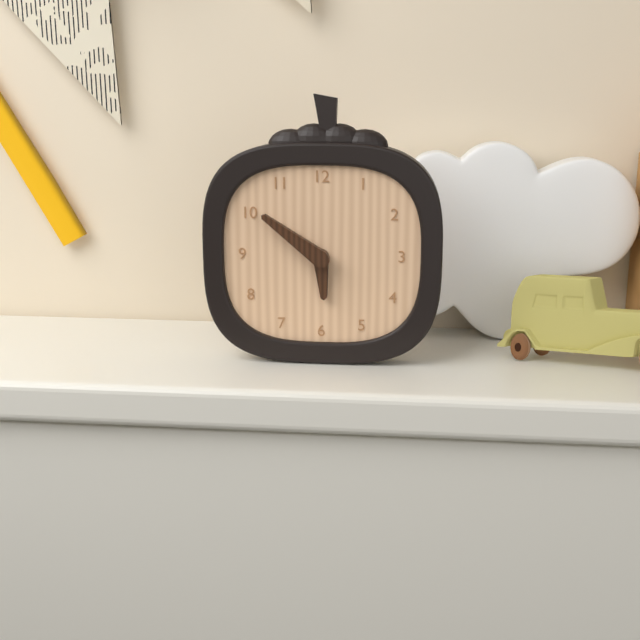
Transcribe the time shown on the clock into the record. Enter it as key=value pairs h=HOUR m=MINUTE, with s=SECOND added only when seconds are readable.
h=5 m=51
